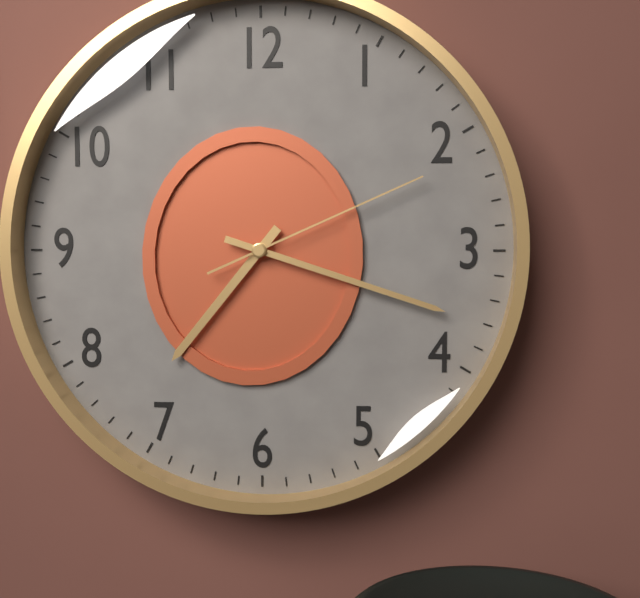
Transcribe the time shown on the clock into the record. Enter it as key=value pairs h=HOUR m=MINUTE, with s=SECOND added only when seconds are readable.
h=7 m=18 s=11
